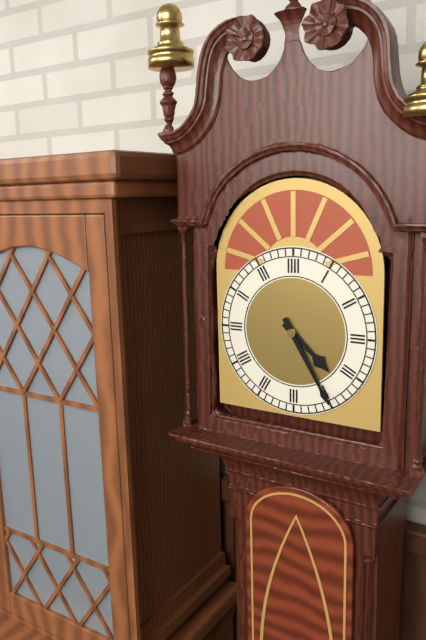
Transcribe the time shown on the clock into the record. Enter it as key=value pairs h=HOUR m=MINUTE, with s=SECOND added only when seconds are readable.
h=4 m=25
